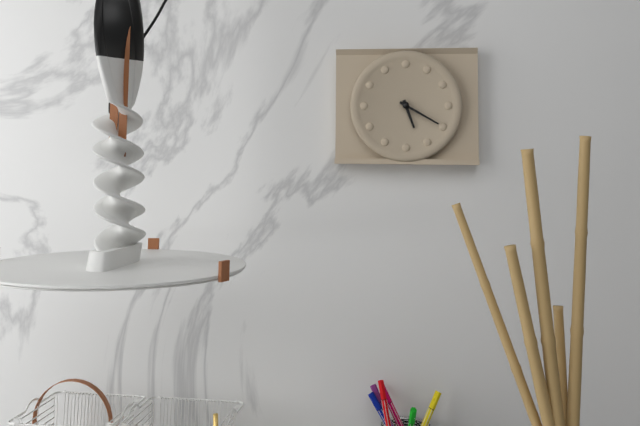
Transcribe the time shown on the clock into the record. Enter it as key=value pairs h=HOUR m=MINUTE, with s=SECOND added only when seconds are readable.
h=5 m=20
